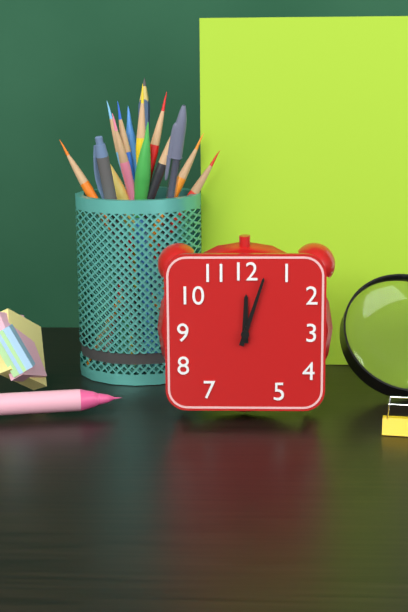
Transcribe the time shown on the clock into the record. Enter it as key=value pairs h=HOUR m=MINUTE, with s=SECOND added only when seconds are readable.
h=12 m=3
